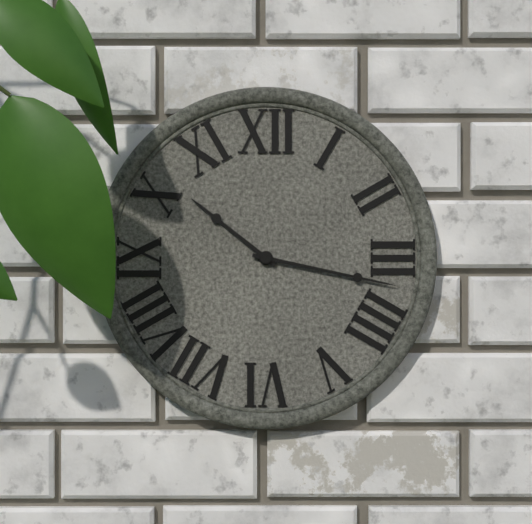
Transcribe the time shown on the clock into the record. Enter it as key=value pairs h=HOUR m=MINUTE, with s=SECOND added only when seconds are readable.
h=10 m=17
